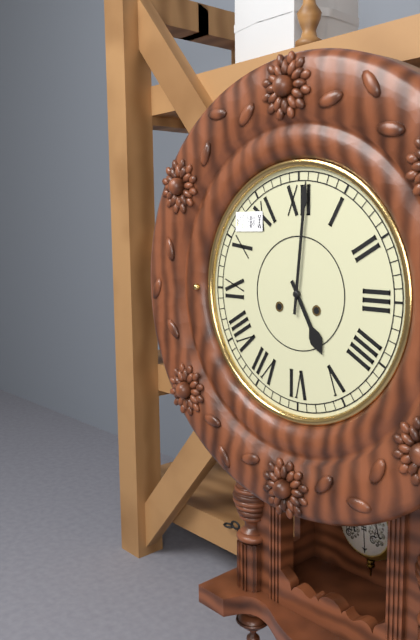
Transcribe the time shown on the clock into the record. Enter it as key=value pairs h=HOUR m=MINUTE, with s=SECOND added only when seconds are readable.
h=5 m=1
